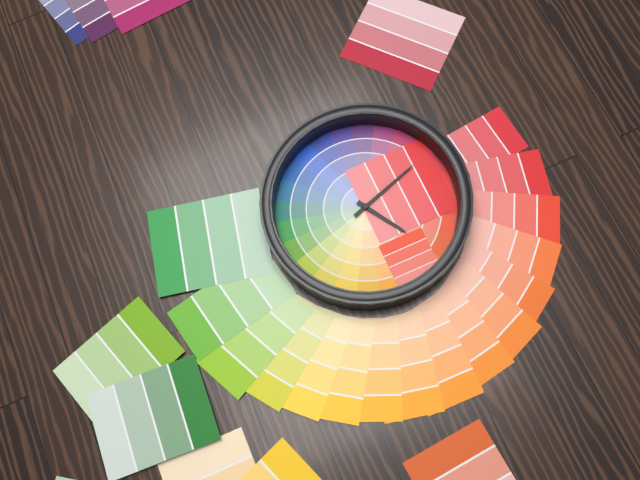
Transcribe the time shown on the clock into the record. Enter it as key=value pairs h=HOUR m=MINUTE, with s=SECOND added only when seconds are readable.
h=1 m=57
